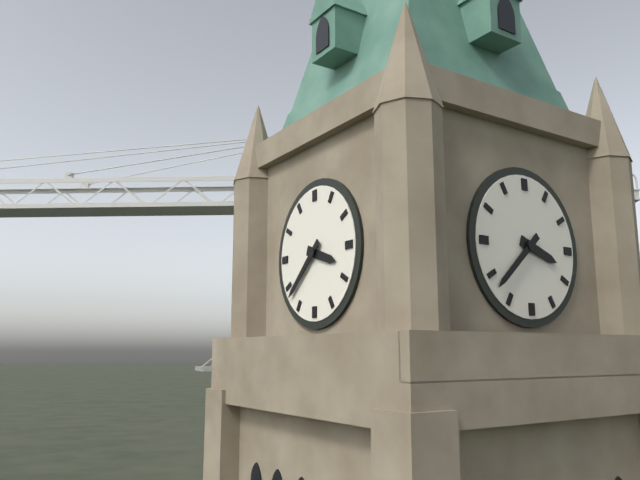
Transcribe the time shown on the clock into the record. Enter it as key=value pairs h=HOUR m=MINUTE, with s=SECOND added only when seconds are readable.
h=3 m=38
